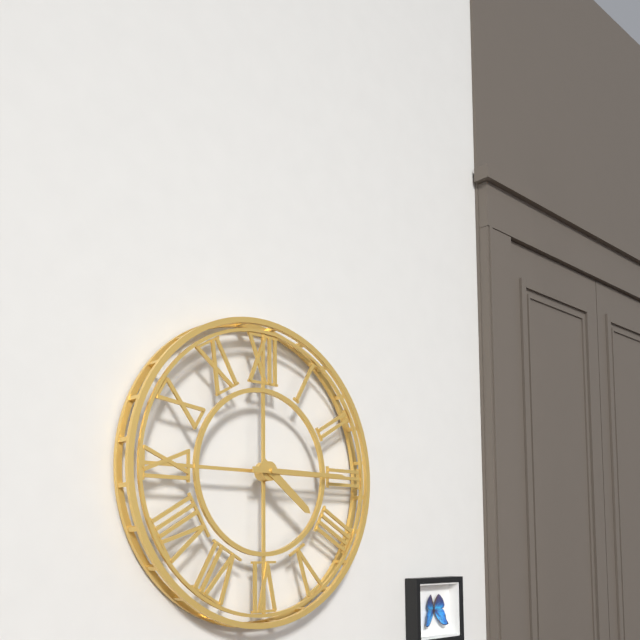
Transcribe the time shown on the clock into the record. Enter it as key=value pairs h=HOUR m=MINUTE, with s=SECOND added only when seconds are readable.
h=4 m=15
